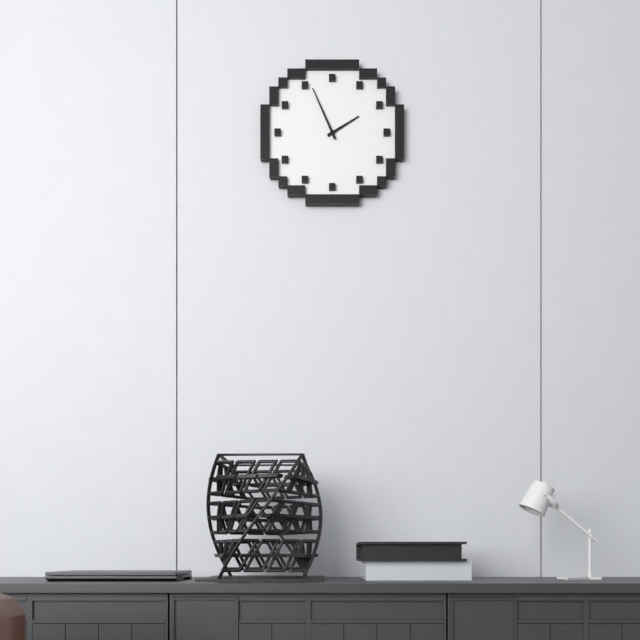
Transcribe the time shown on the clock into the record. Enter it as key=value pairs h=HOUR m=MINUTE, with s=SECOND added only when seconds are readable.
h=1 m=56
